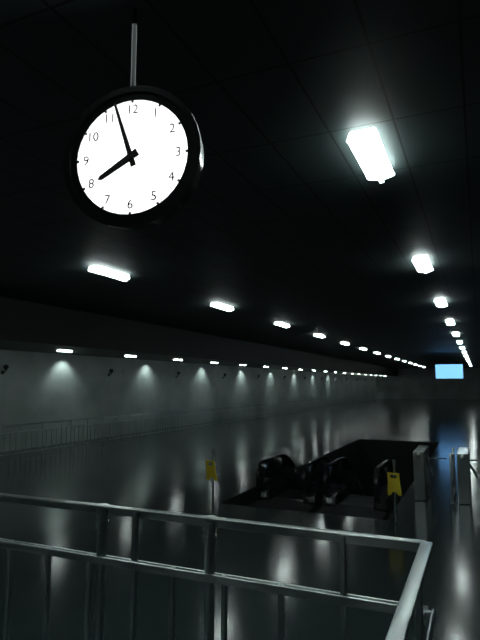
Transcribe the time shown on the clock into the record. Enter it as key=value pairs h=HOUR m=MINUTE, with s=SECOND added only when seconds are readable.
h=7 m=57
